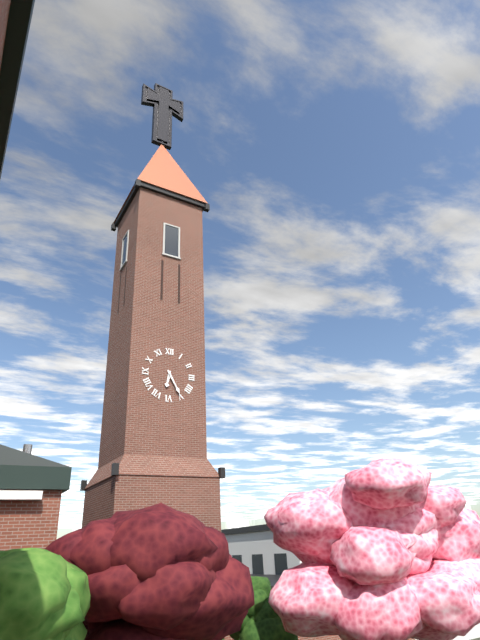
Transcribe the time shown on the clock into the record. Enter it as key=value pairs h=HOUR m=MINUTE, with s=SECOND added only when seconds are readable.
h=6 m=25
